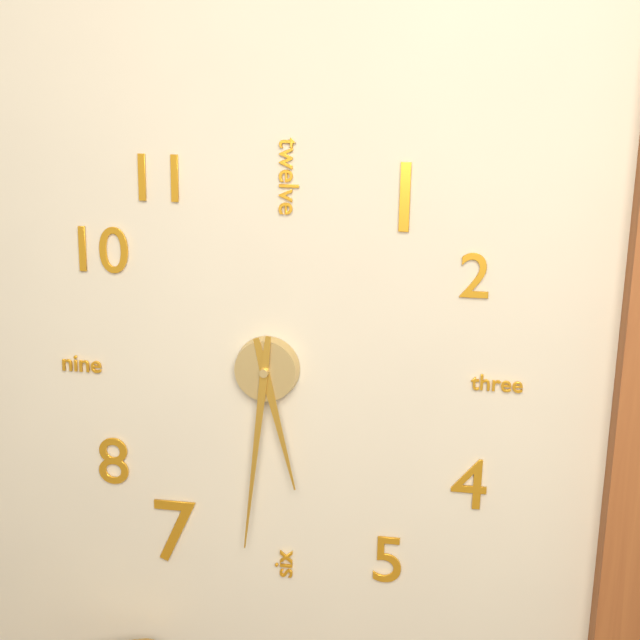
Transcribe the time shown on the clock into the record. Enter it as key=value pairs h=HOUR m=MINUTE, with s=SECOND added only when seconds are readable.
h=5 m=31
